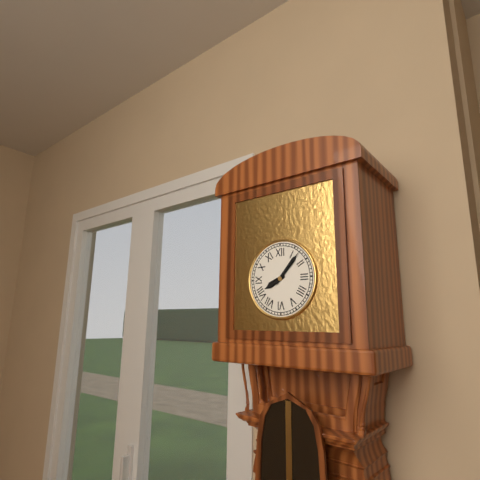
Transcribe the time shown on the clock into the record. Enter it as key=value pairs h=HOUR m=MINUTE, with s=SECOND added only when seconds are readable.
h=8 m=7
